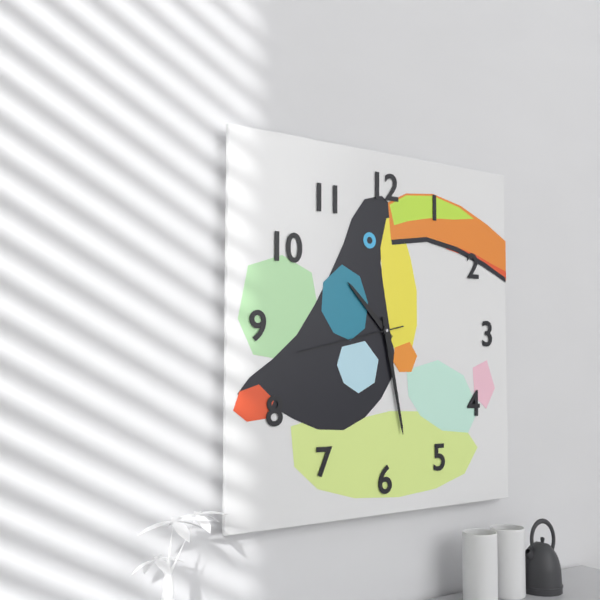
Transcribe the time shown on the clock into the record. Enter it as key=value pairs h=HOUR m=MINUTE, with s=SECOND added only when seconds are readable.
h=10 m=28 s=43
